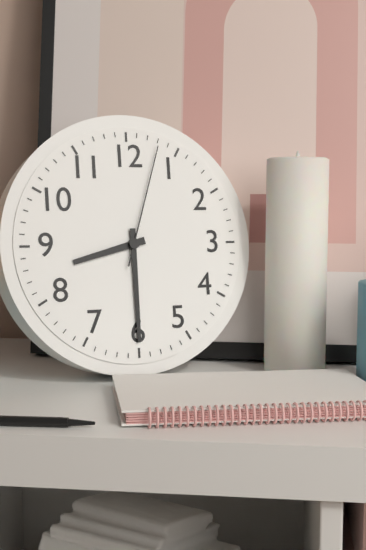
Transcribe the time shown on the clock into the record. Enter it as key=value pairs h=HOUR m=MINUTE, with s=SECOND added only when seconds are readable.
h=8 m=30 s=3
